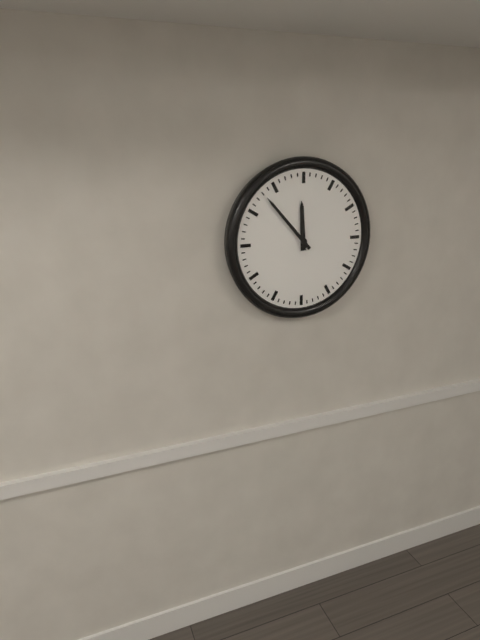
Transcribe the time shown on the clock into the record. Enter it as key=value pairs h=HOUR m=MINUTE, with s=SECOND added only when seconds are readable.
h=11 m=53
